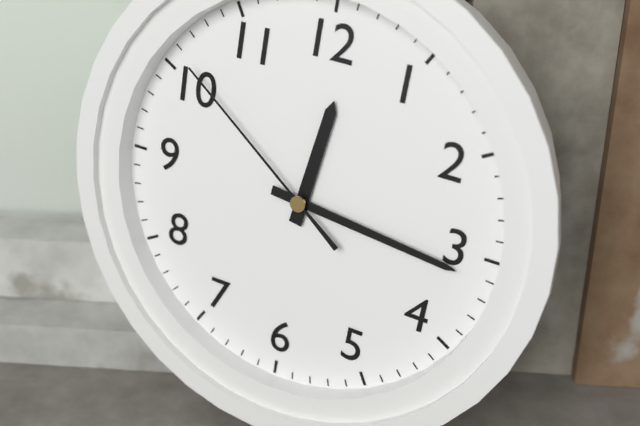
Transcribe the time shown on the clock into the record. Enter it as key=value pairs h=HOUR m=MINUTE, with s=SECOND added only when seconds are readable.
h=12 m=16 s=51
